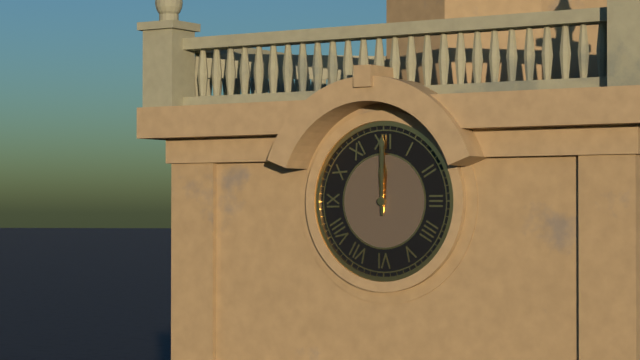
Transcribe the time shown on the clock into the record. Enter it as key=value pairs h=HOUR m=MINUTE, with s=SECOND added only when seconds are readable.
h=12 m=0
